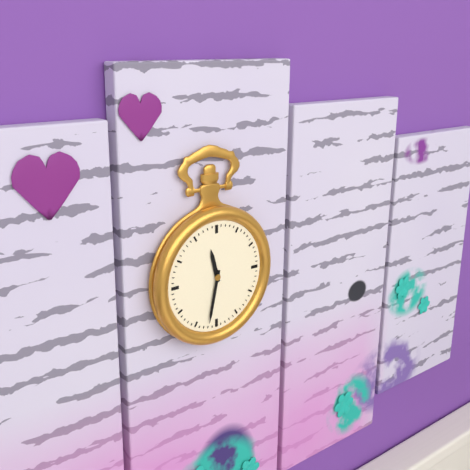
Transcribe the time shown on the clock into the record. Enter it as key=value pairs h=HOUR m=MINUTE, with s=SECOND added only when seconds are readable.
h=11 m=32
